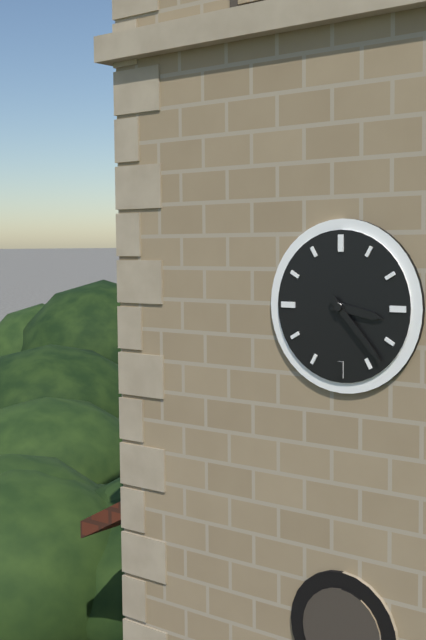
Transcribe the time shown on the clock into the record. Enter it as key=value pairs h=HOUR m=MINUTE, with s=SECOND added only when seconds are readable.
h=3 m=23
